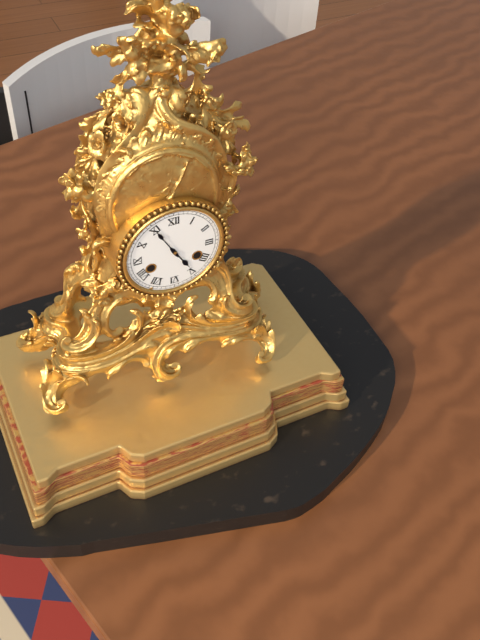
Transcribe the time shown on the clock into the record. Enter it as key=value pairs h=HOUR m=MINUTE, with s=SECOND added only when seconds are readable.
h=4 m=55
